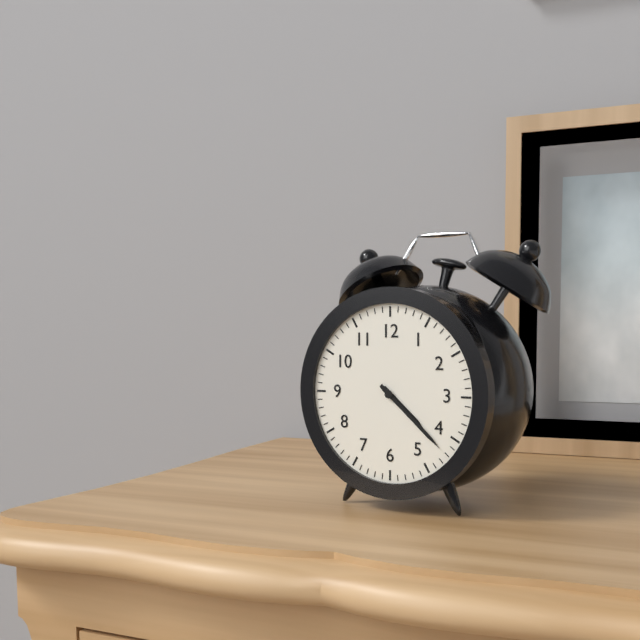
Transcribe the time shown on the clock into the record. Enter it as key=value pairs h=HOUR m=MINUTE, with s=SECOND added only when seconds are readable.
h=4 m=22
